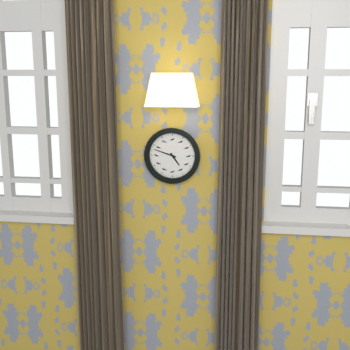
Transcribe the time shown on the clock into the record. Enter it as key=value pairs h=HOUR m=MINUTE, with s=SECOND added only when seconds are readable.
h=4 m=48
